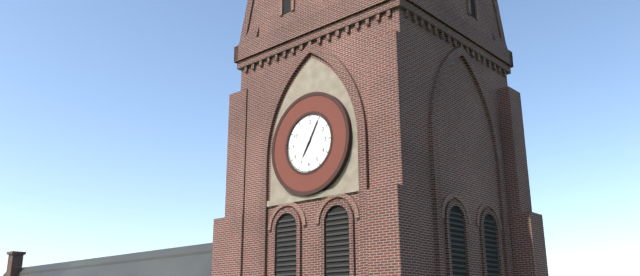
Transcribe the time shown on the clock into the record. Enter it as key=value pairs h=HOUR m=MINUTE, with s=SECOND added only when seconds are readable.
h=7 m=5
